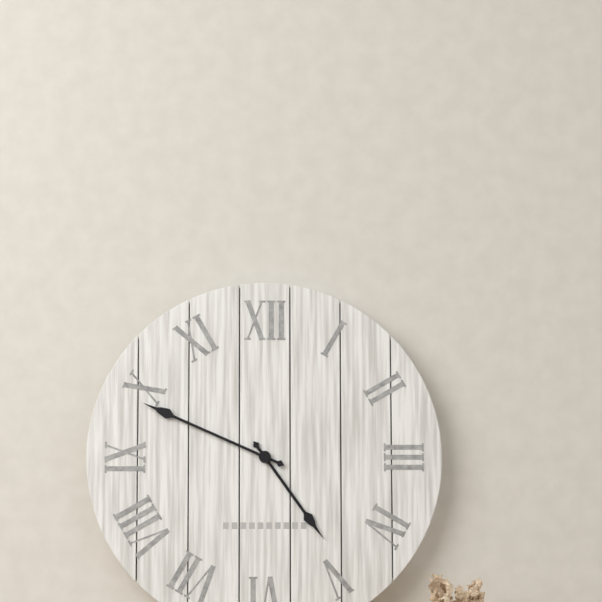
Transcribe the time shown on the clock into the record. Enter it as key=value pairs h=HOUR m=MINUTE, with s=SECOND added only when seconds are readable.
h=4 m=49
